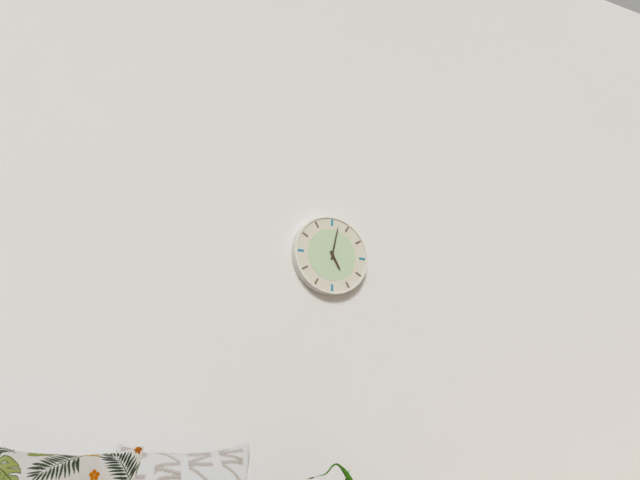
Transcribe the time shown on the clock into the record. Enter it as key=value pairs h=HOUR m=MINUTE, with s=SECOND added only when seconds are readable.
h=5 m=2
